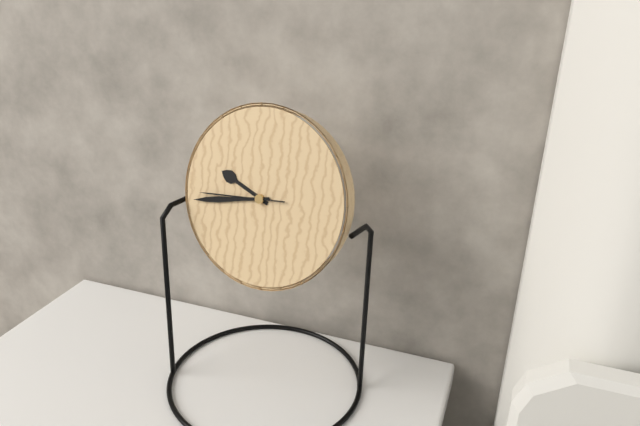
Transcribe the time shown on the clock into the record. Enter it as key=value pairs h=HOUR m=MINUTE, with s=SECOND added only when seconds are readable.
h=9 m=43 s=44
